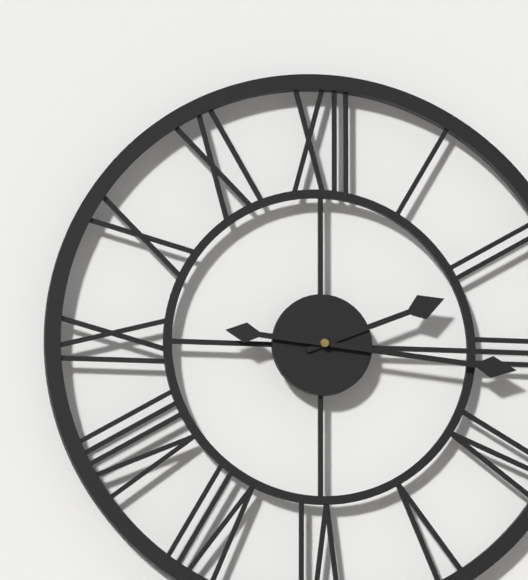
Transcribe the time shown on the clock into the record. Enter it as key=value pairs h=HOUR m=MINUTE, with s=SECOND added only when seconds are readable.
h=2 m=16
